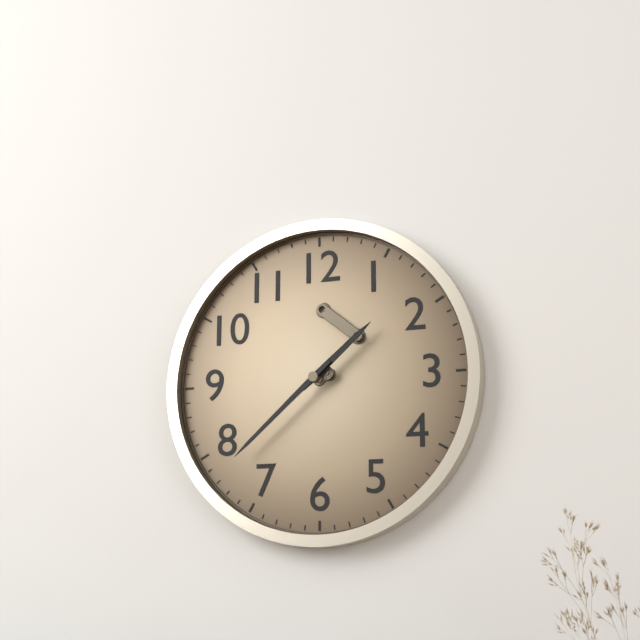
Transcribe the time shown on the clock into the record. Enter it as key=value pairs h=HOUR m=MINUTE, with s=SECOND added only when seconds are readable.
h=1 m=38
